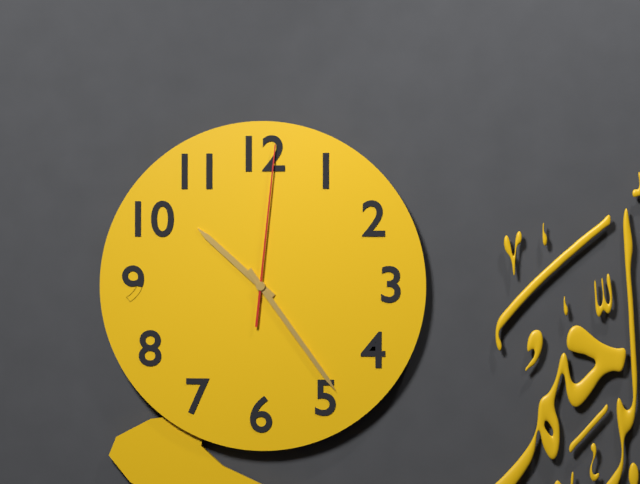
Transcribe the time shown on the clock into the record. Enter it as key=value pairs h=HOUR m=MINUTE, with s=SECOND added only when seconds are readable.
h=10 m=24 s=1
